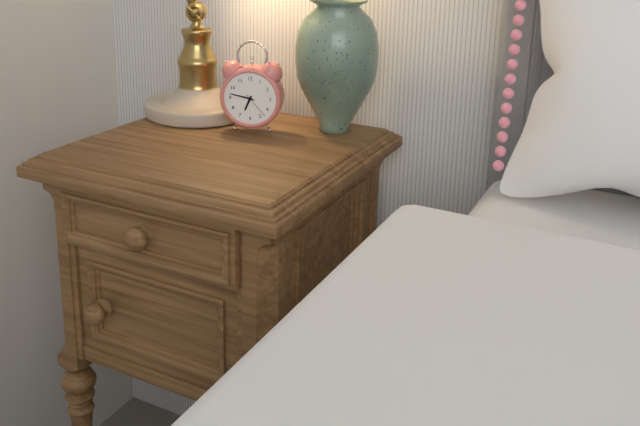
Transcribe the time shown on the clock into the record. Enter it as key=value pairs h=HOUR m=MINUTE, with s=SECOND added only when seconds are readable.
h=6 m=47
